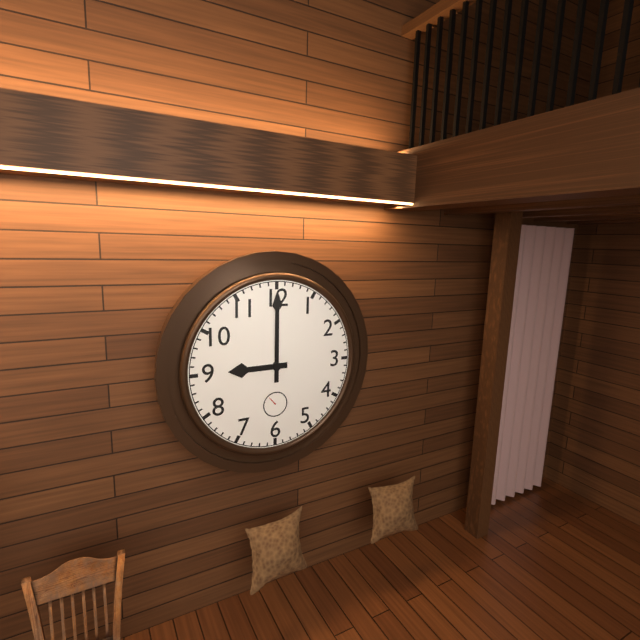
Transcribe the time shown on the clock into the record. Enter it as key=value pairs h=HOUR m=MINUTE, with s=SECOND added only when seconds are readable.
h=9 m=0
